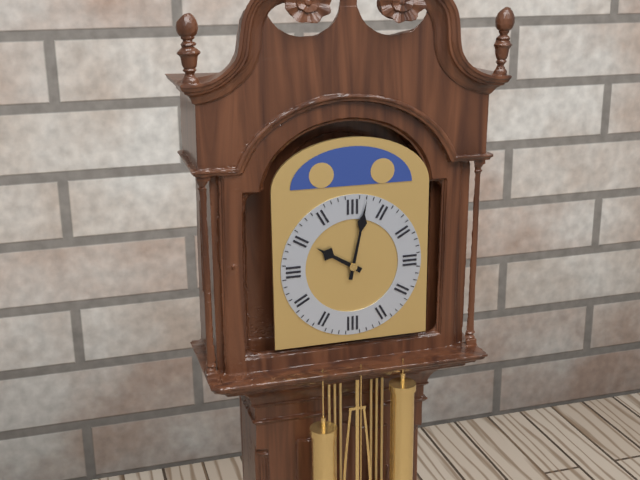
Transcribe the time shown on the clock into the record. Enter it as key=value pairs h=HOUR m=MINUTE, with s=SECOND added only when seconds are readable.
h=10 m=2
